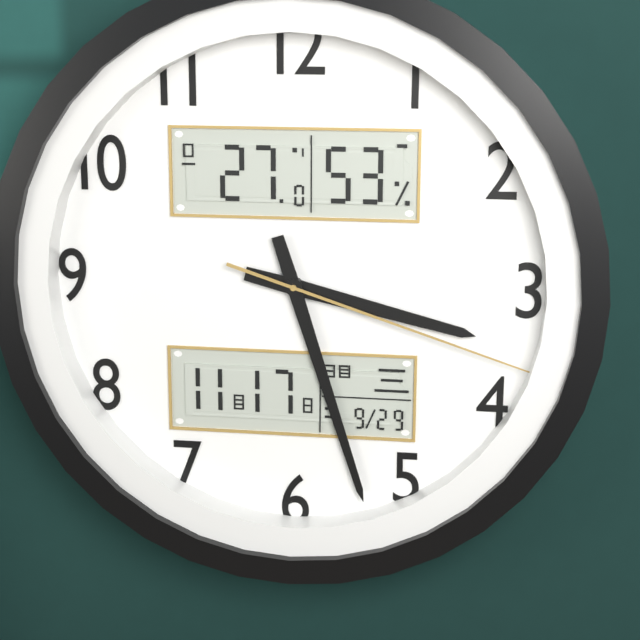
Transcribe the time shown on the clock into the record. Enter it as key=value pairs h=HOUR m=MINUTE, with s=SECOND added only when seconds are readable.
h=3 m=27 s=18
